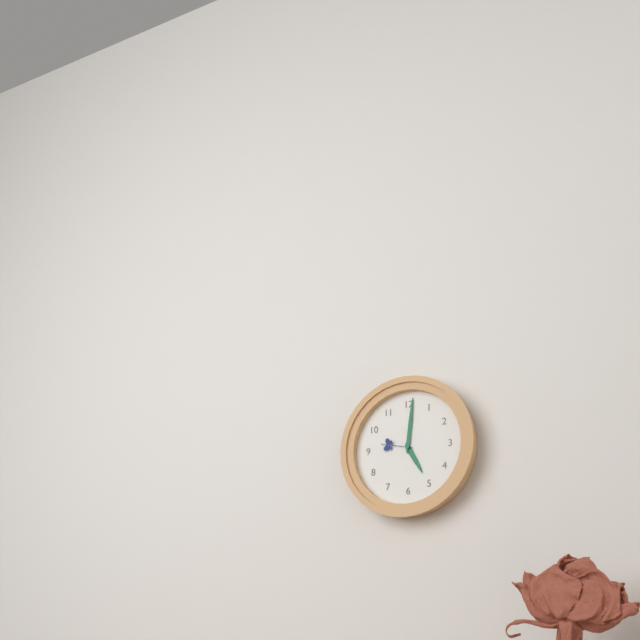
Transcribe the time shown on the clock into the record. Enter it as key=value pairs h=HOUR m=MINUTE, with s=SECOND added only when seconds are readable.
h=5 m=1
